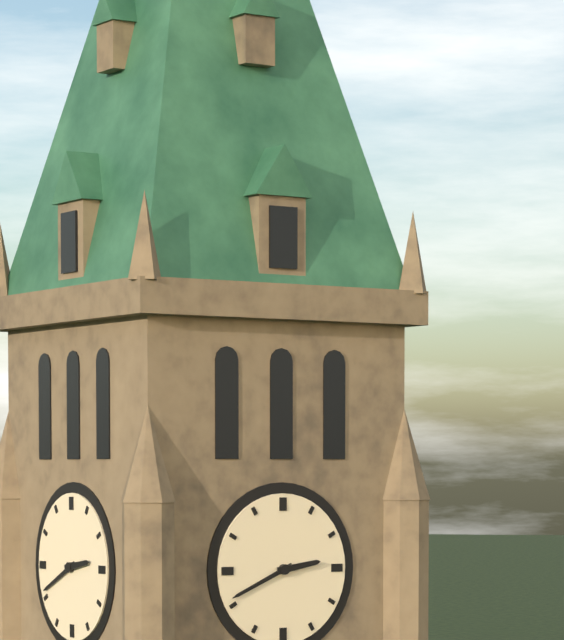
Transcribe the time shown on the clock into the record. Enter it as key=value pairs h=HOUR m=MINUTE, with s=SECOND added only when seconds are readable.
h=2 m=41
